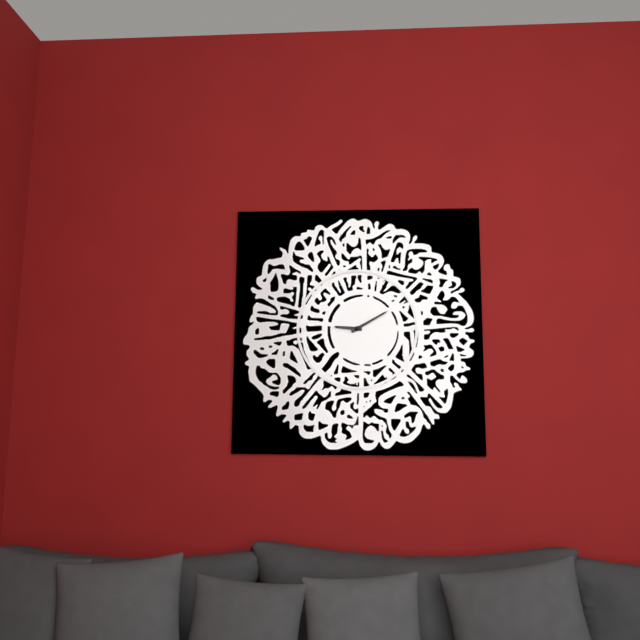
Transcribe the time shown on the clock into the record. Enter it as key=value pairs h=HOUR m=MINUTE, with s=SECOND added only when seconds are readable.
h=9 m=10
